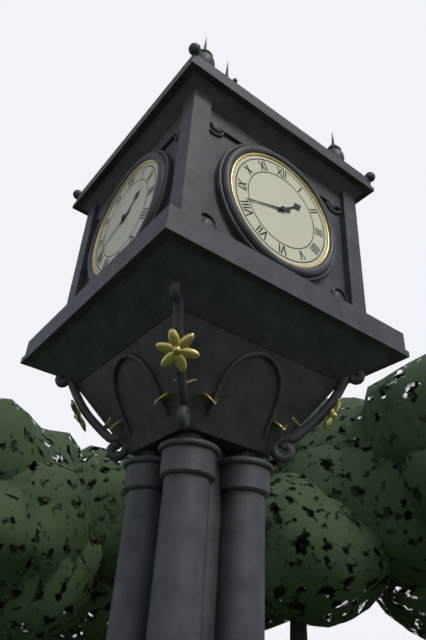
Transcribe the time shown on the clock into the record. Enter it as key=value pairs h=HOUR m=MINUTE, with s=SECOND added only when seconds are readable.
h=1 m=42
